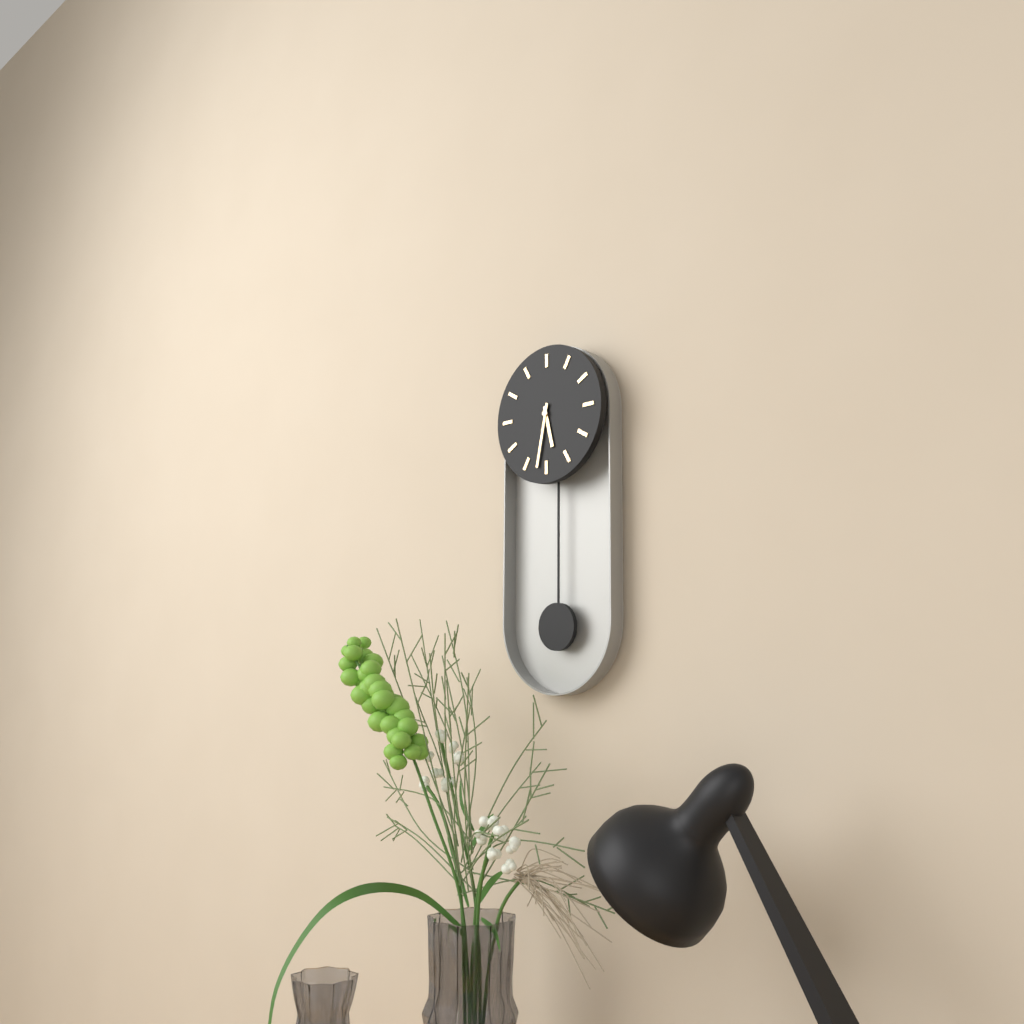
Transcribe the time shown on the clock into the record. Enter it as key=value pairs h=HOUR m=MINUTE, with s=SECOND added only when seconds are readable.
h=5 m=32
